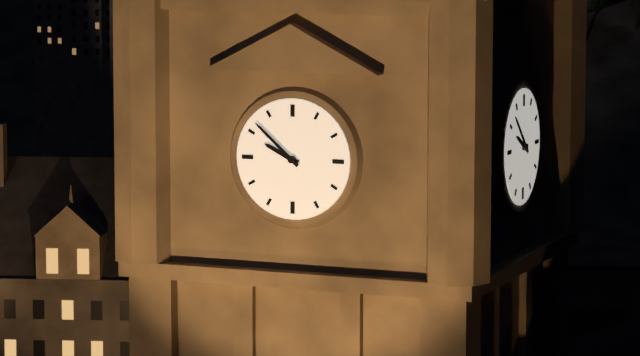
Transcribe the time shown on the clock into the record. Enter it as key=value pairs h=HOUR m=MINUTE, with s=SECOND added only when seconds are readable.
h=9 m=52
